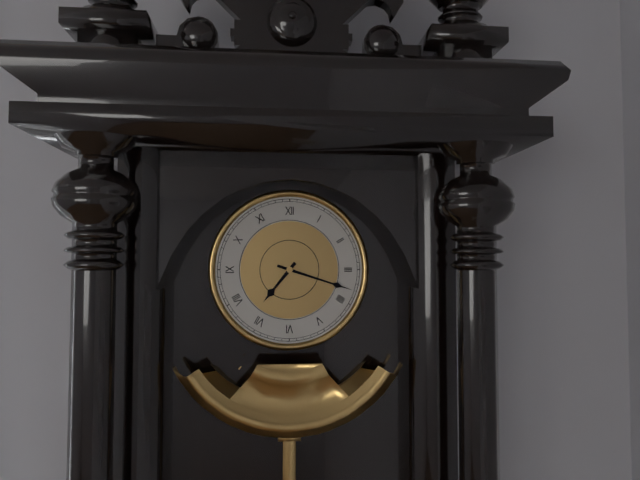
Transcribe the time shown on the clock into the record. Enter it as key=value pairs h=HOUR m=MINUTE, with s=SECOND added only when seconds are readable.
h=7 m=18
